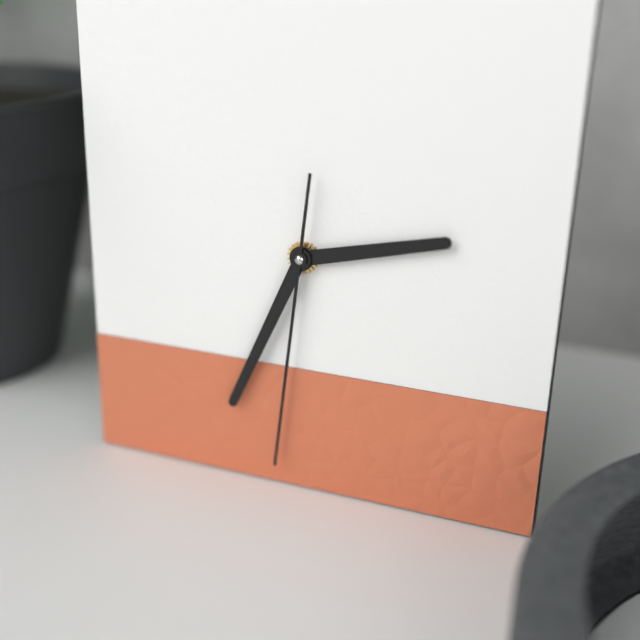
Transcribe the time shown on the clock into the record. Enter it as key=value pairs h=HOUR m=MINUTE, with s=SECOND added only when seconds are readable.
h=2 m=34 s=31
